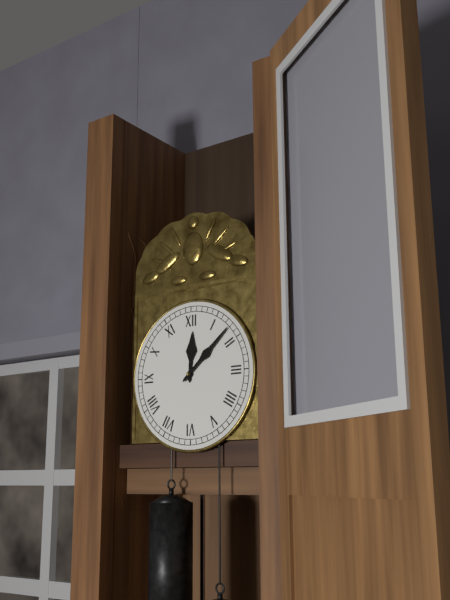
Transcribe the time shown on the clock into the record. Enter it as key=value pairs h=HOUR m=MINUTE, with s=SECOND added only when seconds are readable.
h=12 m=8
